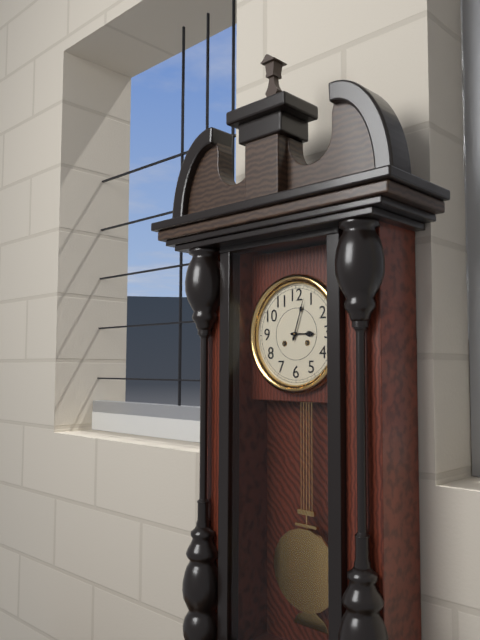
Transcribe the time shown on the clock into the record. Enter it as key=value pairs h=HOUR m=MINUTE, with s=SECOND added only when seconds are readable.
h=3 m=3
